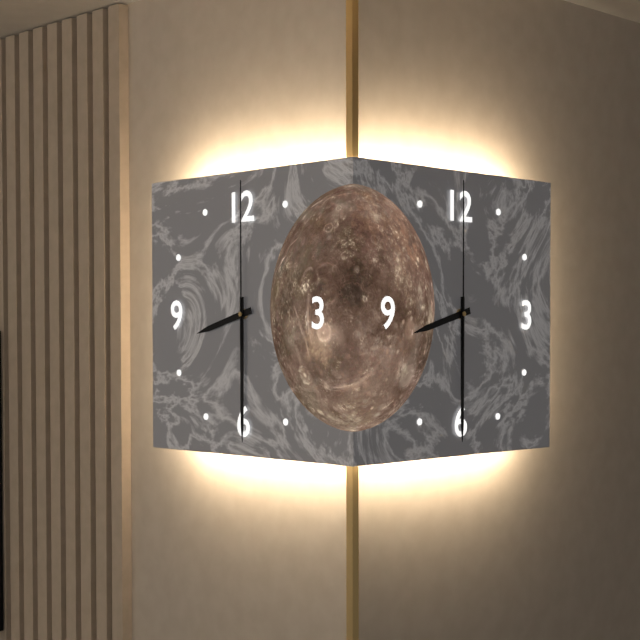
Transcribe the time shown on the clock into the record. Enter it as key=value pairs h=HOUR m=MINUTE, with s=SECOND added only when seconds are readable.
h=8 m=30 s=0
